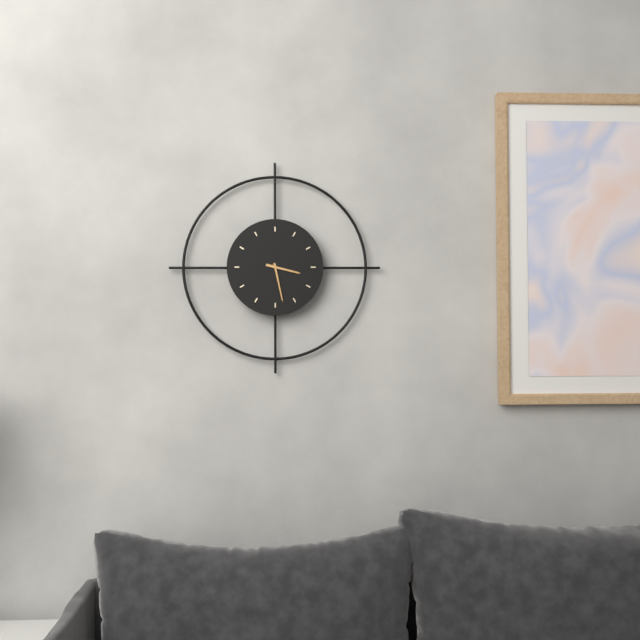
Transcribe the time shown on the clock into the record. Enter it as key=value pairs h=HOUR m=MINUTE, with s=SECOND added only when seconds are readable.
h=3 m=28
